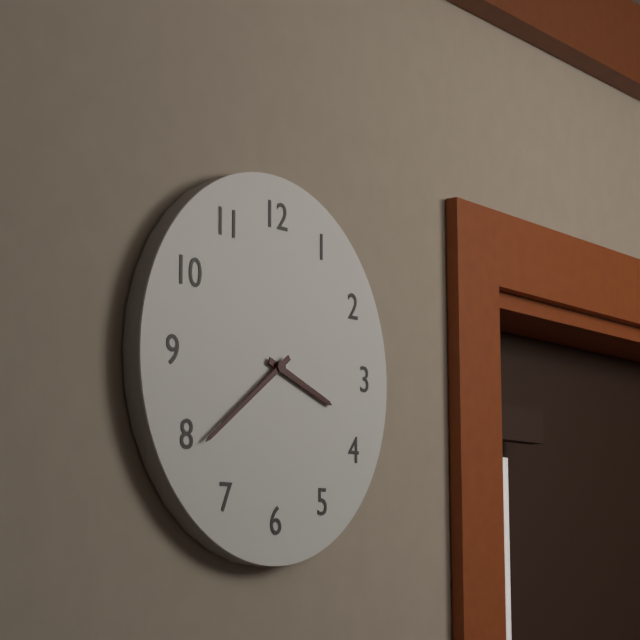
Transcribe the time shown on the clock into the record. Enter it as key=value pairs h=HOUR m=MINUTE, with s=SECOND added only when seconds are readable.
h=3 m=39
